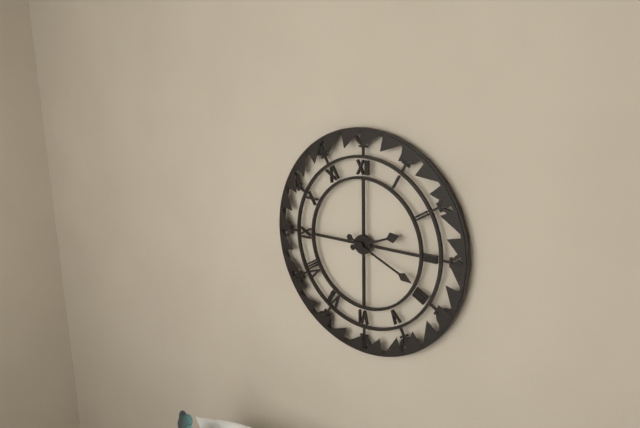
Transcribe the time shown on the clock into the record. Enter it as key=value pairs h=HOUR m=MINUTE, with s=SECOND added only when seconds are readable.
h=2 m=19
